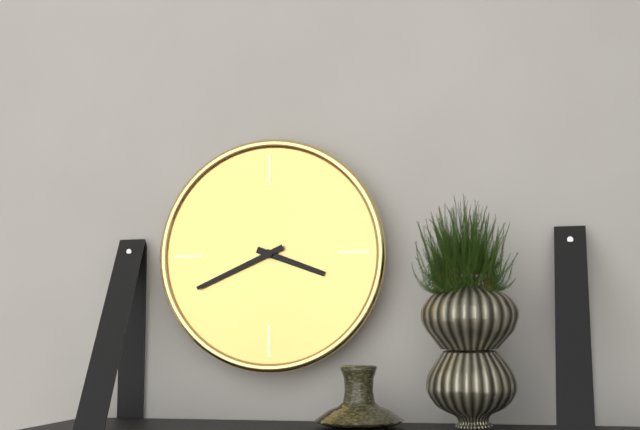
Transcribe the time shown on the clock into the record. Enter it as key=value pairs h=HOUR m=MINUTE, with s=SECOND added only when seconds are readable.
h=3 m=41
